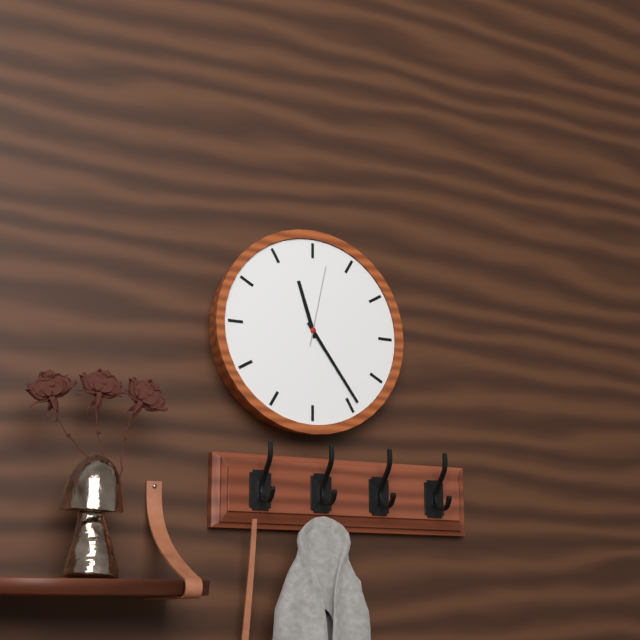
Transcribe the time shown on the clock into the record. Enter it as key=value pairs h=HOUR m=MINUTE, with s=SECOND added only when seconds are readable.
h=11 m=24 s=2
